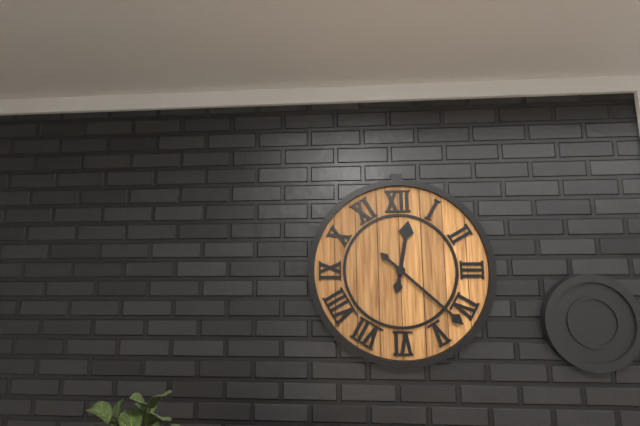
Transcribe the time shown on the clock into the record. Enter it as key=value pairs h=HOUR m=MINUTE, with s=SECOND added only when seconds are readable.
h=12 m=22
